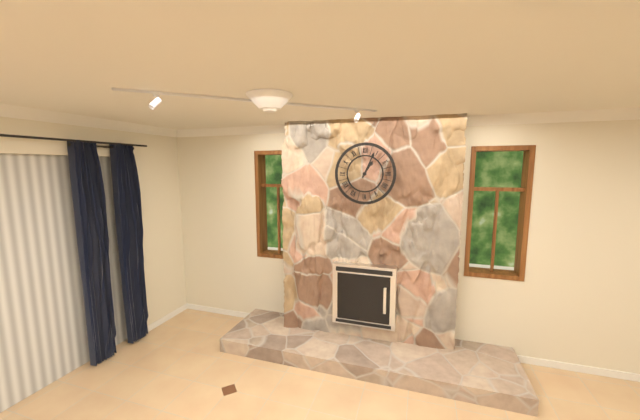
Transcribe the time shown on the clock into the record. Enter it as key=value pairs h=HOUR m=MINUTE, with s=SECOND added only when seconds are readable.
h=1 m=4
